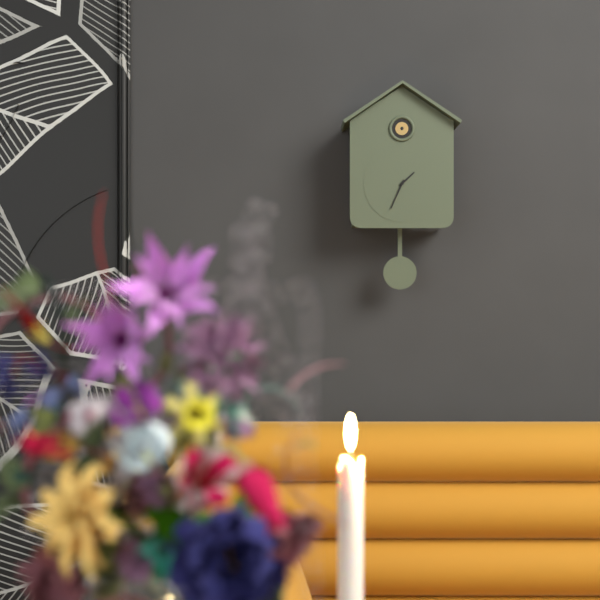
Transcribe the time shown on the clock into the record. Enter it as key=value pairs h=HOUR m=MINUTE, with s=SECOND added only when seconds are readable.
h=1 m=34
